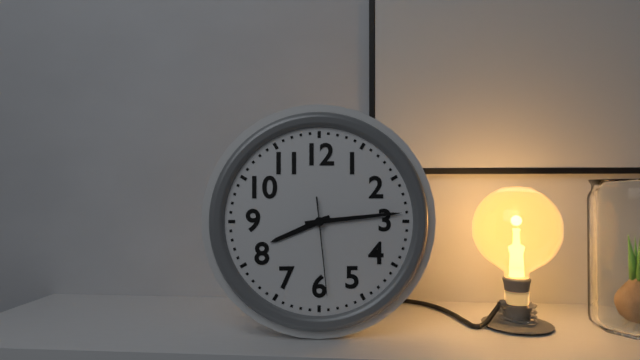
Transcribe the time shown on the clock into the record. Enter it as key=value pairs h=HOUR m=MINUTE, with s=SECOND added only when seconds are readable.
h=8 m=14 s=29
